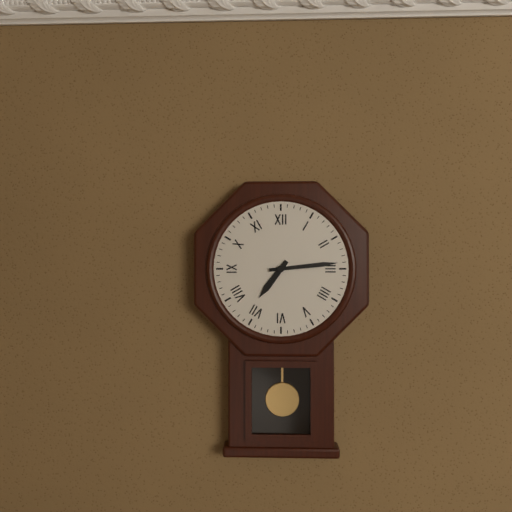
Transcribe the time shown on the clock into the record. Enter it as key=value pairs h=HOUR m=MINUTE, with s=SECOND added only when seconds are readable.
h=7 m=14
